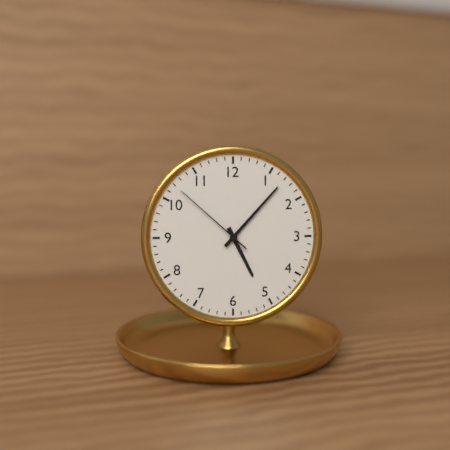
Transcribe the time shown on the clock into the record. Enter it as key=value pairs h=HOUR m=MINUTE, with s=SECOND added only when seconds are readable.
h=5 m=7 s=52
